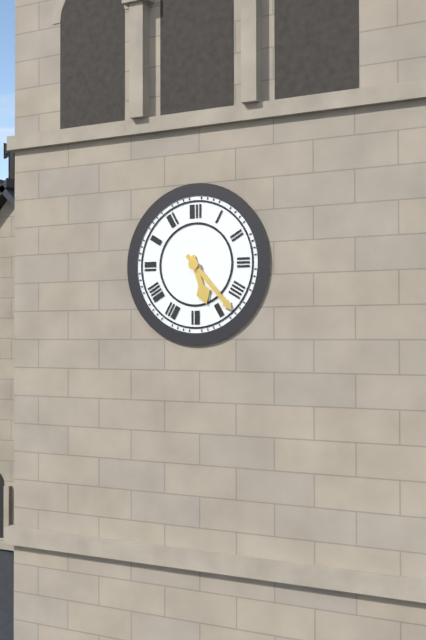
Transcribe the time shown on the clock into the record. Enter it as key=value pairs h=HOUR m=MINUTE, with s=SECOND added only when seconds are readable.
h=5 m=23
